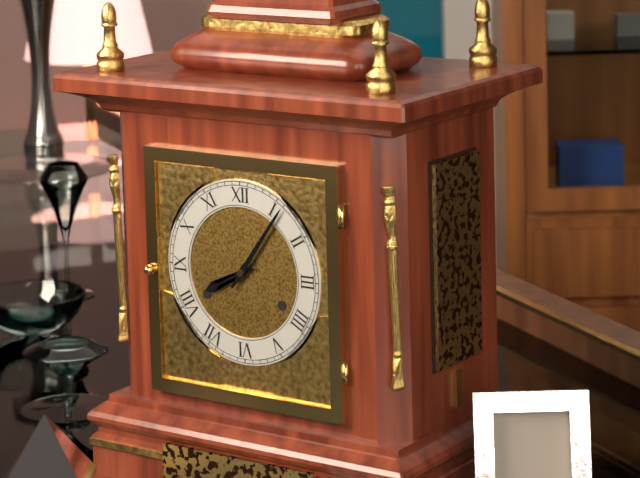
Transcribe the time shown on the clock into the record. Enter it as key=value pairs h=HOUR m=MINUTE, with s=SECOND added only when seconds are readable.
h=8 m=6
